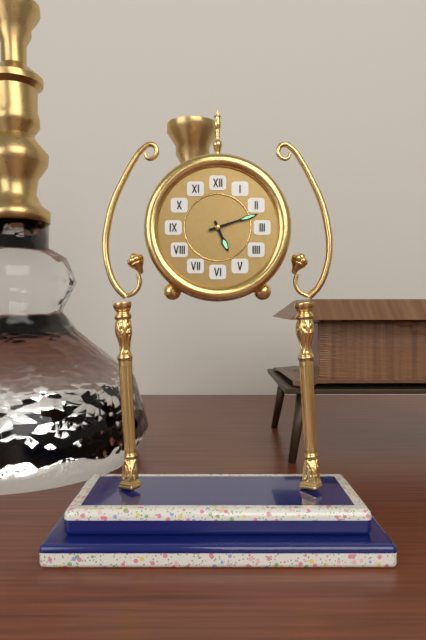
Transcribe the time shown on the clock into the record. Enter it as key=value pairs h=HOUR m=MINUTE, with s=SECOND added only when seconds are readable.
h=5 m=12
